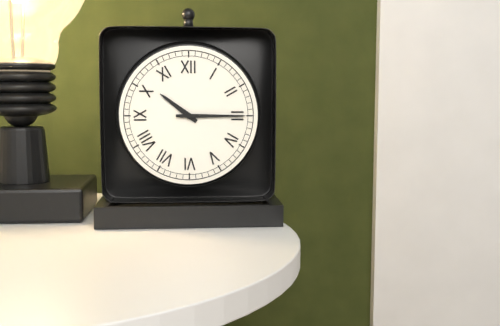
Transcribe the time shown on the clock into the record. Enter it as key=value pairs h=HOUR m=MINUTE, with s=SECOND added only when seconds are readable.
h=10 m=15
